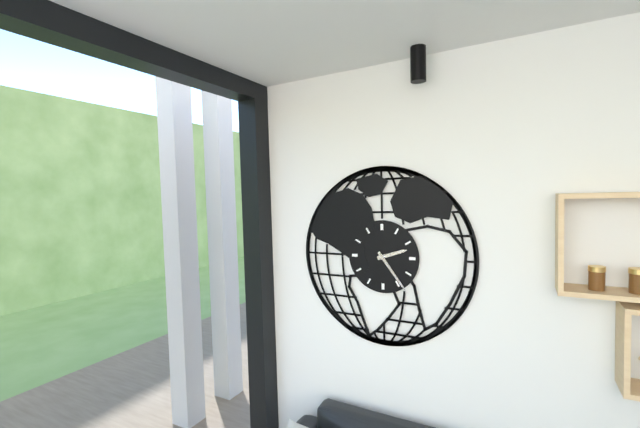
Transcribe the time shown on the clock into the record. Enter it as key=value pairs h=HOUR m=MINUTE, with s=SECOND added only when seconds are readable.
h=2 m=24
